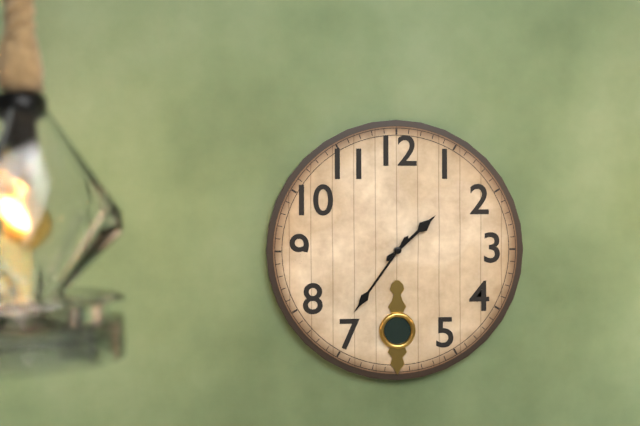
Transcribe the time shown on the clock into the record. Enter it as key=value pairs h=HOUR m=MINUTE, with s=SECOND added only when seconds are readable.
h=1 m=36
